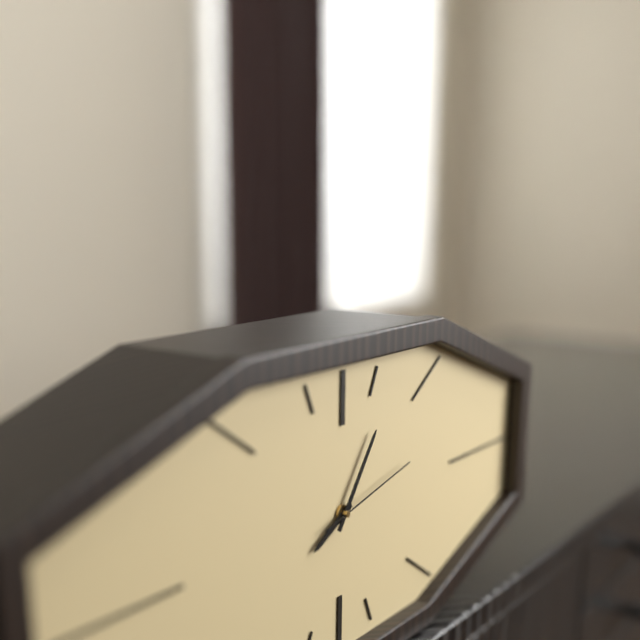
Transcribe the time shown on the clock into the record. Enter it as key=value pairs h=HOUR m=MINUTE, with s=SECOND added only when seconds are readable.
h=8 m=6 s=13
